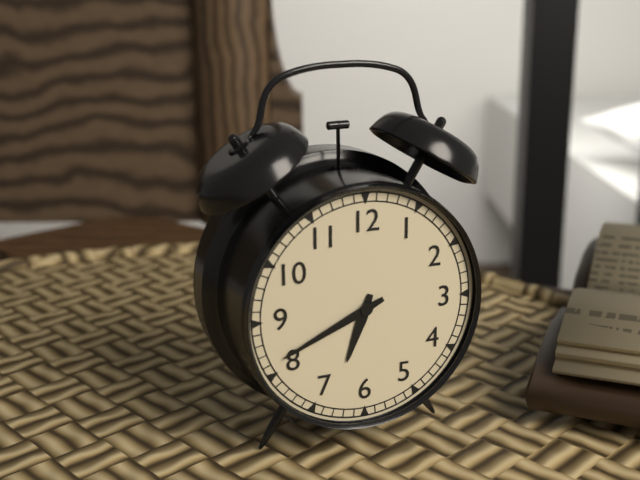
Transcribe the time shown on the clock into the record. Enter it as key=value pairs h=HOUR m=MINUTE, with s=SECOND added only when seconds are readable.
h=6 m=41
